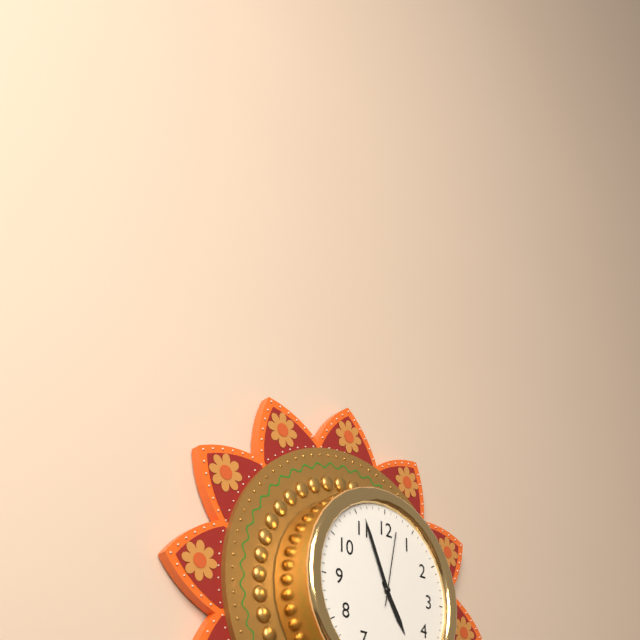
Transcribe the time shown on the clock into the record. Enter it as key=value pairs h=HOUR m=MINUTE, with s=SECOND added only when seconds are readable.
h=4 m=56 s=2
